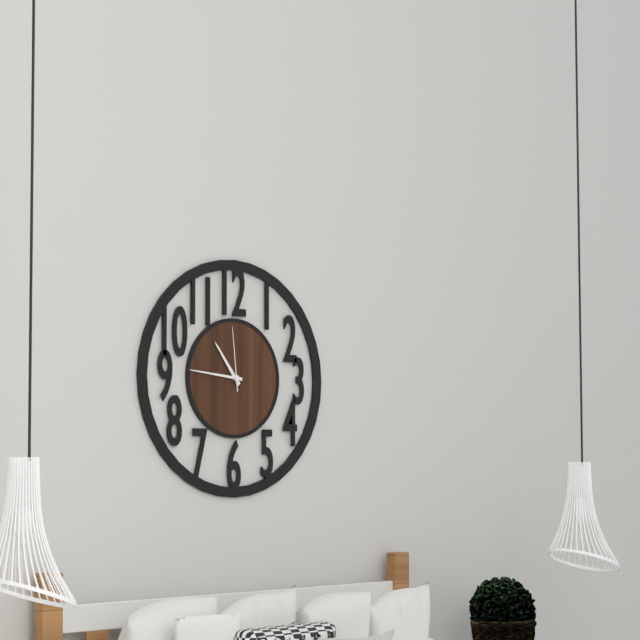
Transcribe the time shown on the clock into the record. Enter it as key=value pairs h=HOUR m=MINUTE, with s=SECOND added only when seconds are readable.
h=10 m=46 s=59
